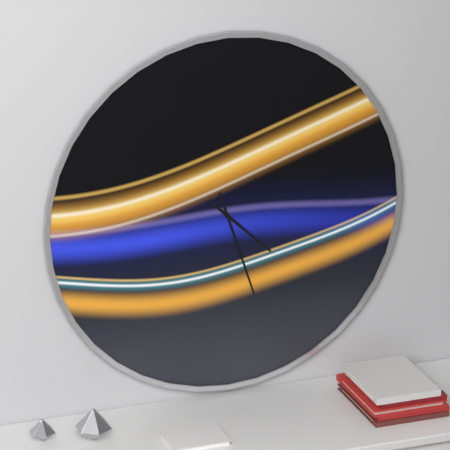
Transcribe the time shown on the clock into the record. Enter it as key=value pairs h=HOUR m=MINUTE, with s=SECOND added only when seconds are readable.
h=4 m=27
